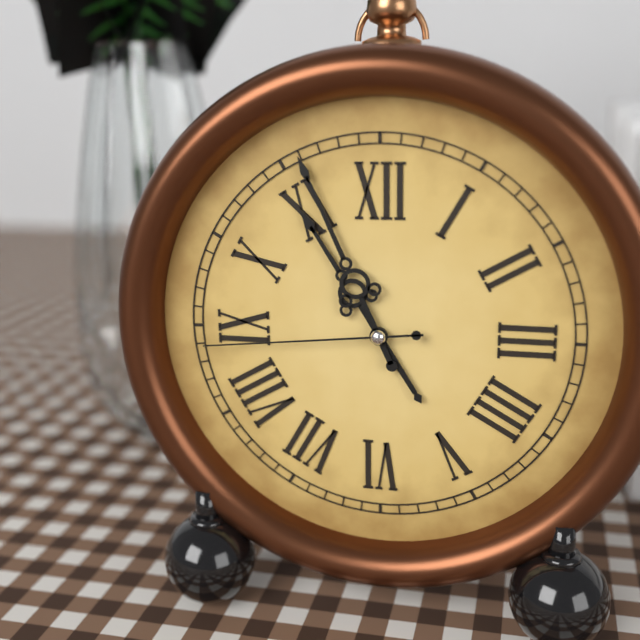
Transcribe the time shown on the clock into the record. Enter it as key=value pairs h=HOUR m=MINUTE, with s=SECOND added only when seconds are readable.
h=10 m=56 s=44
